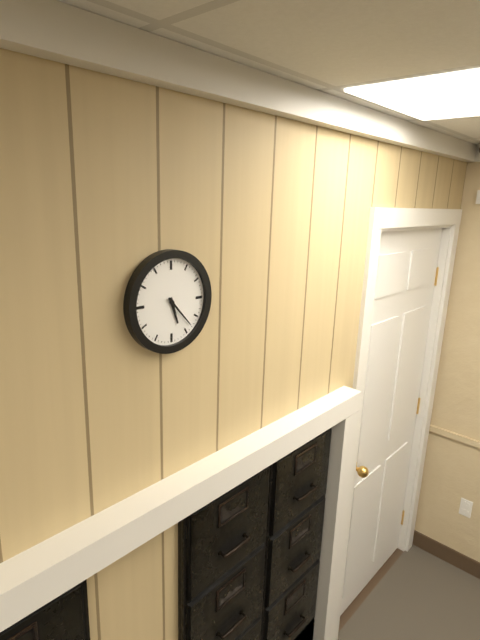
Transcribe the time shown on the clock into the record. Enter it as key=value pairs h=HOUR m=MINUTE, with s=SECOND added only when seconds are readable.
h=5 m=23
